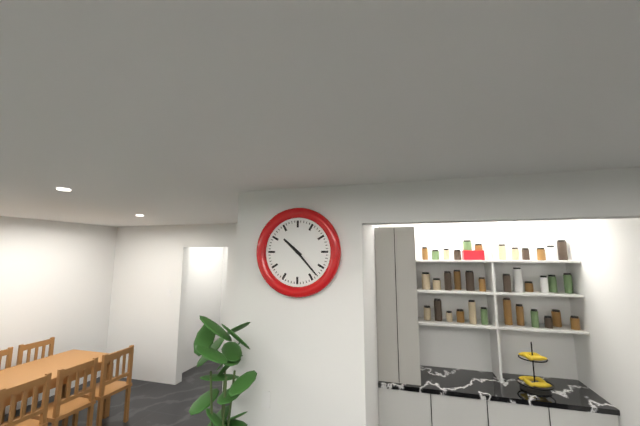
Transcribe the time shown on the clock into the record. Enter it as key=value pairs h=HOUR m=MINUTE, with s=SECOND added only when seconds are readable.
h=10 m=23
